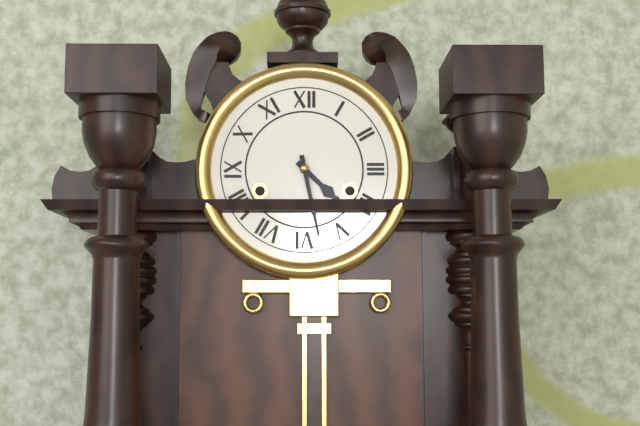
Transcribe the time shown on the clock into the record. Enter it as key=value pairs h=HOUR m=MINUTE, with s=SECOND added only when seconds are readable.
h=4 m=28
